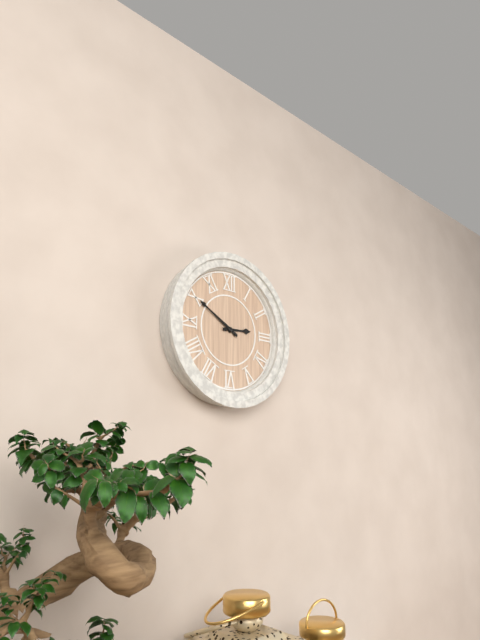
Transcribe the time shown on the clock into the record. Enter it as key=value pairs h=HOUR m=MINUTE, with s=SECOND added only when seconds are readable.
h=2 m=50
